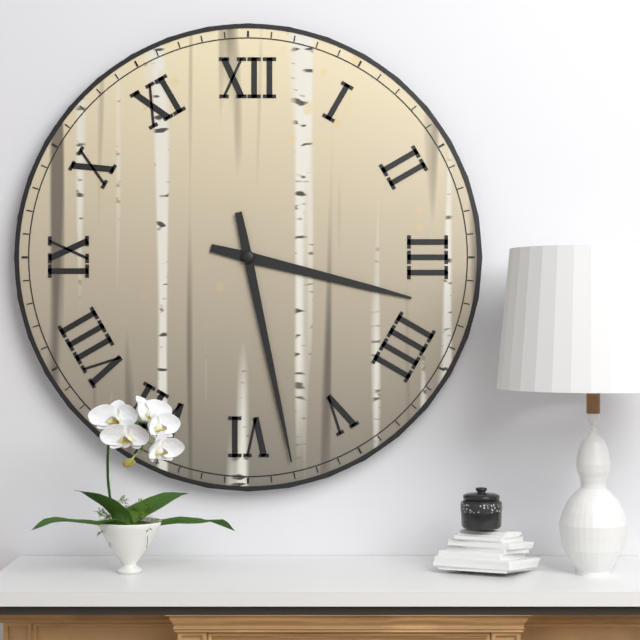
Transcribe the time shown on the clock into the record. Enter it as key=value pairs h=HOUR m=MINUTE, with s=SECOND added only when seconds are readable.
h=3 m=28
